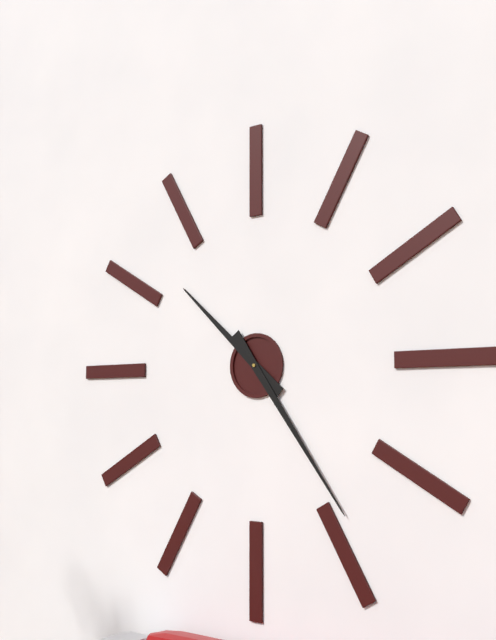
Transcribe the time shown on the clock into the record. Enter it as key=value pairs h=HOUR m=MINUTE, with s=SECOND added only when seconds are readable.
h=10 m=24
